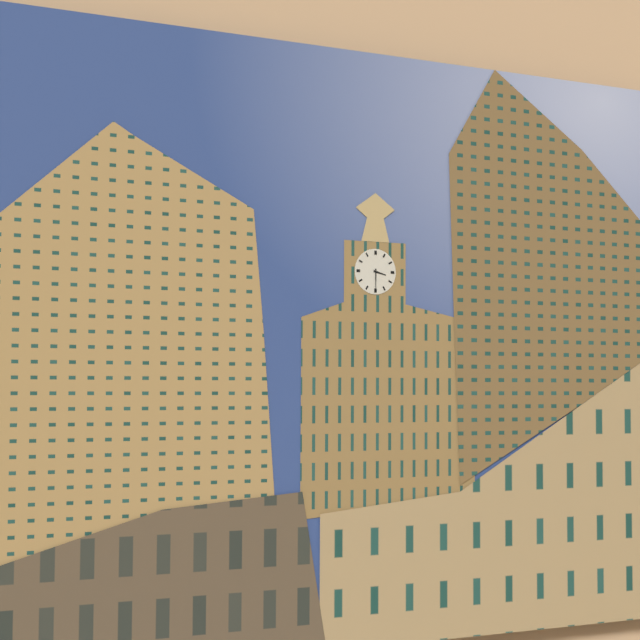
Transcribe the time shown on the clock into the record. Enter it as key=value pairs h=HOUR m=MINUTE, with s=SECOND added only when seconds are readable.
h=3 m=30
